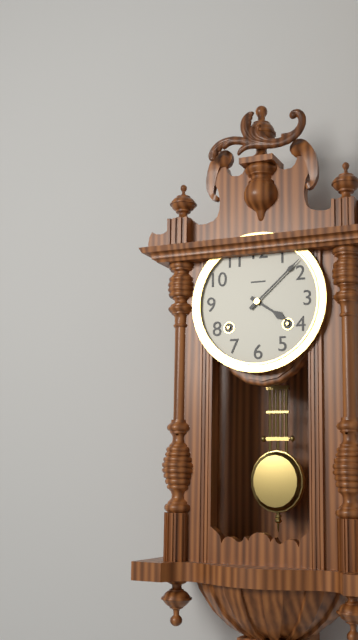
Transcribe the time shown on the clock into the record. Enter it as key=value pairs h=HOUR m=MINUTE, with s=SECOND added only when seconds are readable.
h=4 m=8
